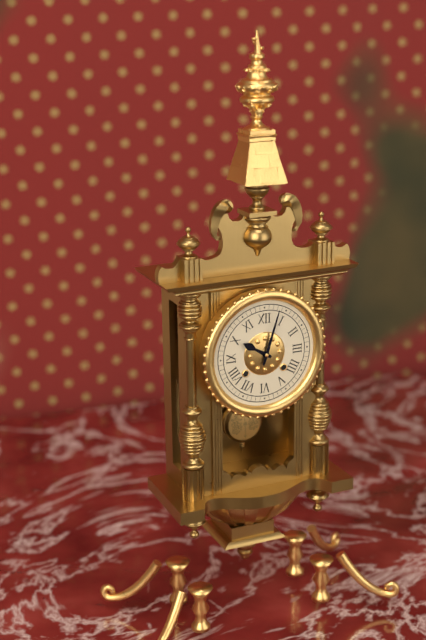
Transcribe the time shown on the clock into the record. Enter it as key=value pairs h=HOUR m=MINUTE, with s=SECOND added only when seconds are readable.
h=10 m=3
